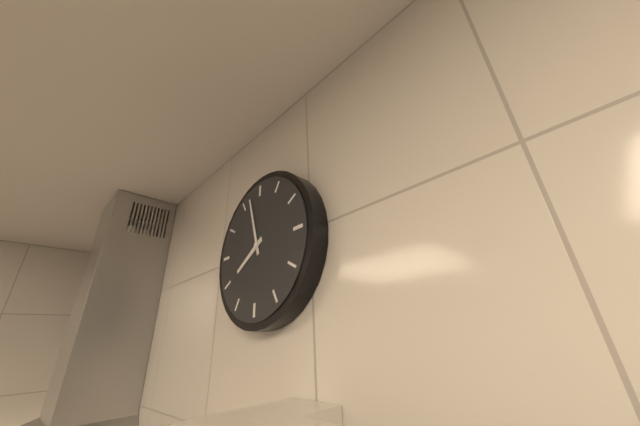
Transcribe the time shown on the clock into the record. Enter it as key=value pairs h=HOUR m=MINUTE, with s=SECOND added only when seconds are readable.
h=7 m=57
